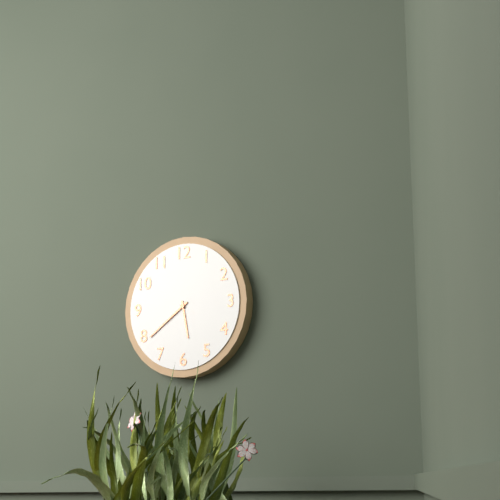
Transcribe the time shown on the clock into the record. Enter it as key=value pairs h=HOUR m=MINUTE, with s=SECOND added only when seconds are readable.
h=5 m=39
